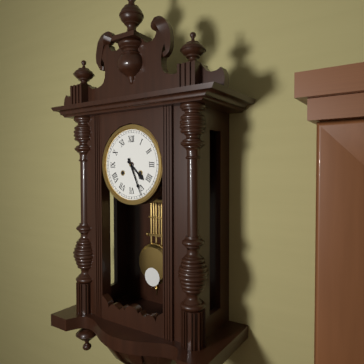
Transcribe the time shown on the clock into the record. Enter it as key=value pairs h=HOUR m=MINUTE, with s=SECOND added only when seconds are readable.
h=4 m=26
